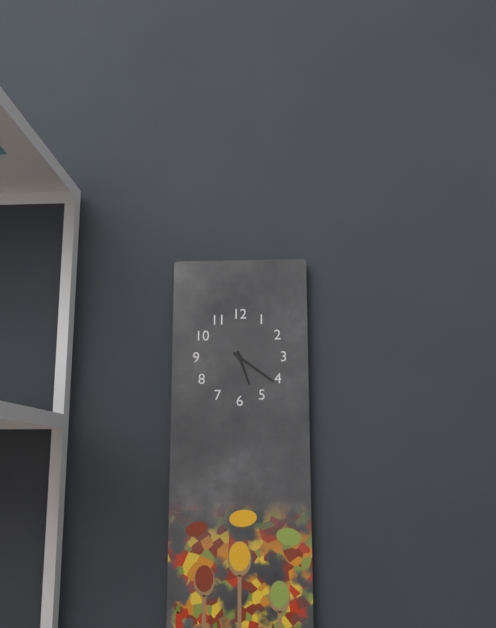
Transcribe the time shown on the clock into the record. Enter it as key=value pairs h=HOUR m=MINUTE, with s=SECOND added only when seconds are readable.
h=5 m=21
